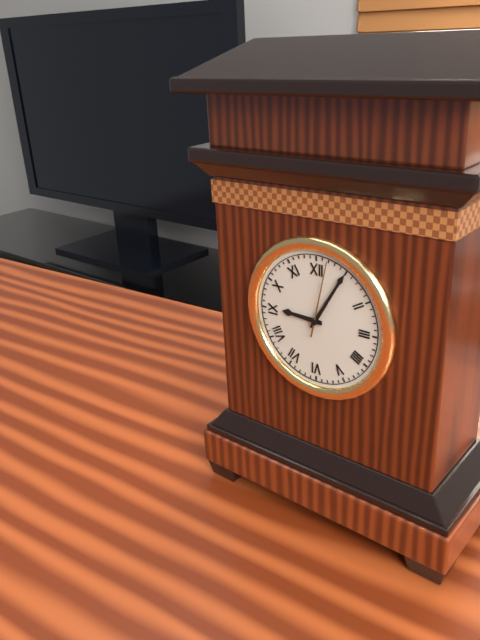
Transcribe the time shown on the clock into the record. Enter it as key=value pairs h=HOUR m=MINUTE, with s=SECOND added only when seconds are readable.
h=9 m=5 s=2
